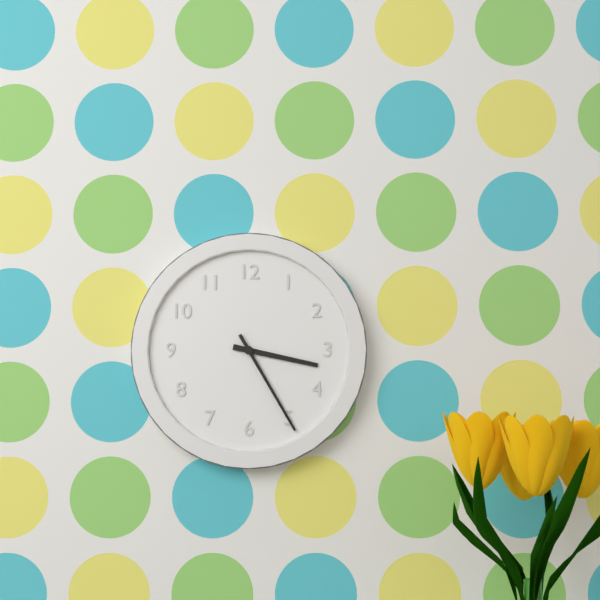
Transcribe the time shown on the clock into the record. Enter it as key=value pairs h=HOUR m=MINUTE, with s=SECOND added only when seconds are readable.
h=3 m=25
